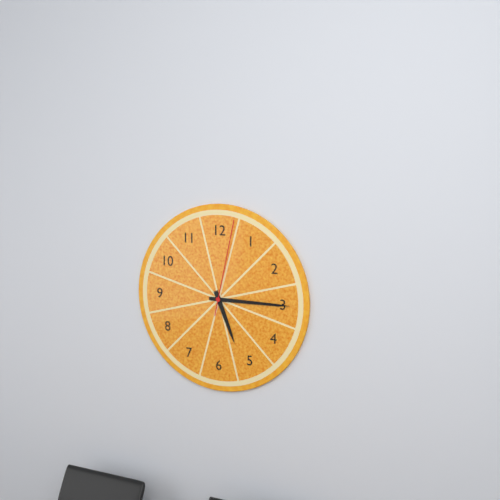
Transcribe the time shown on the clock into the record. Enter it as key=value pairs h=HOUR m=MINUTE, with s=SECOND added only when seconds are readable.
h=5 m=15 s=2
